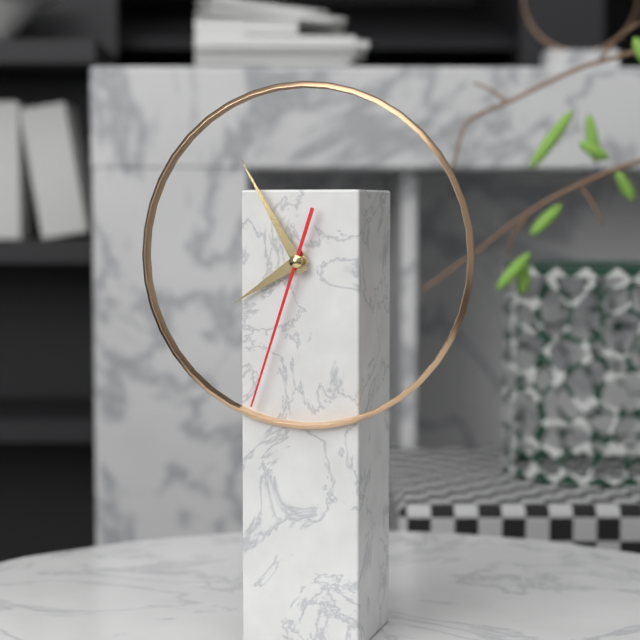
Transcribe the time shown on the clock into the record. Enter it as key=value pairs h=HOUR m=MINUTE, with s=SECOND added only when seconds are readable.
h=7 m=55 s=33
